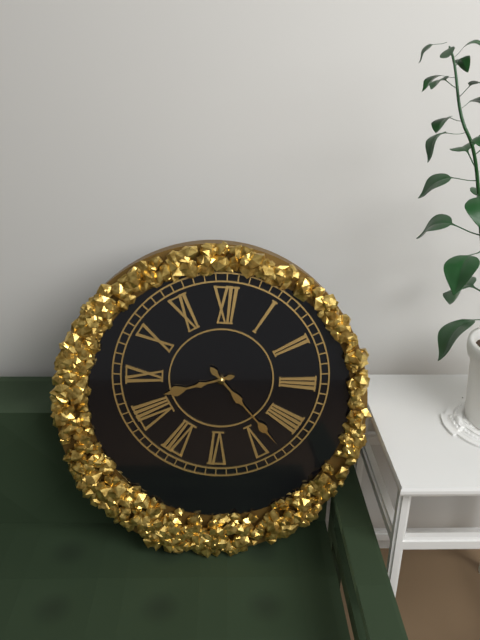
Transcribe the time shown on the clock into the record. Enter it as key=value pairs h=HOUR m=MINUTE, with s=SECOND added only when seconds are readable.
h=8 m=23
